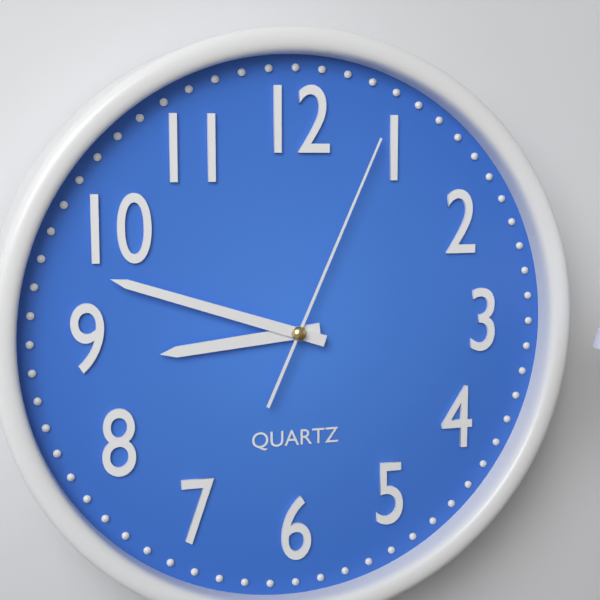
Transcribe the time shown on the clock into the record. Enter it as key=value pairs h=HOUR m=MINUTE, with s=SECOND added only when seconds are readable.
h=8 m=48 s=4
